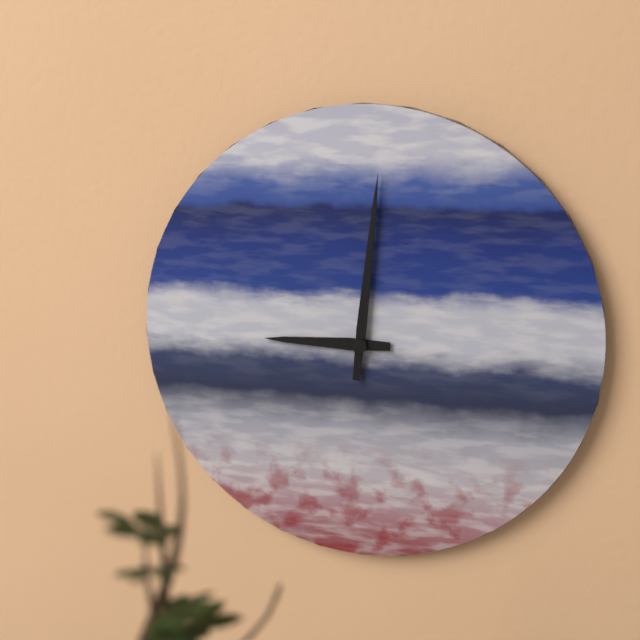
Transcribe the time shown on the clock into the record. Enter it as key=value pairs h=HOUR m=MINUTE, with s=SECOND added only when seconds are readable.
h=9 m=1
